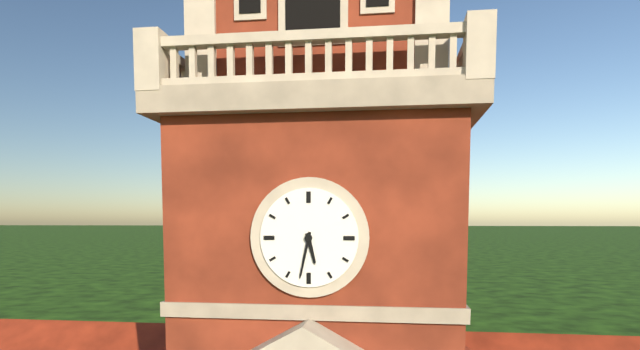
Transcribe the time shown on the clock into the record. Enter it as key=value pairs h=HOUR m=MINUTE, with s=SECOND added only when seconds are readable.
h=5 m=32
